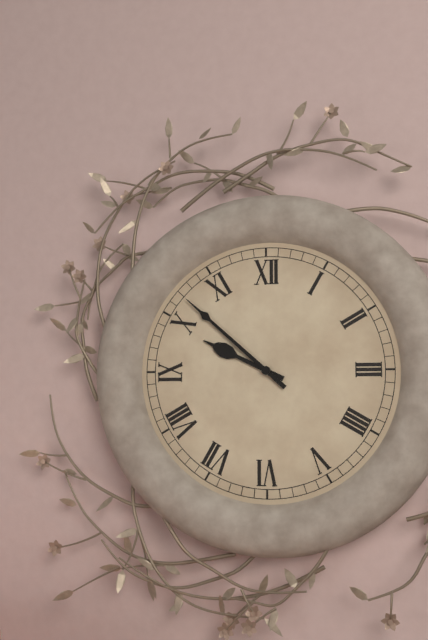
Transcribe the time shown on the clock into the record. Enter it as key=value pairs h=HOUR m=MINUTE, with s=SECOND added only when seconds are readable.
h=9 m=52
